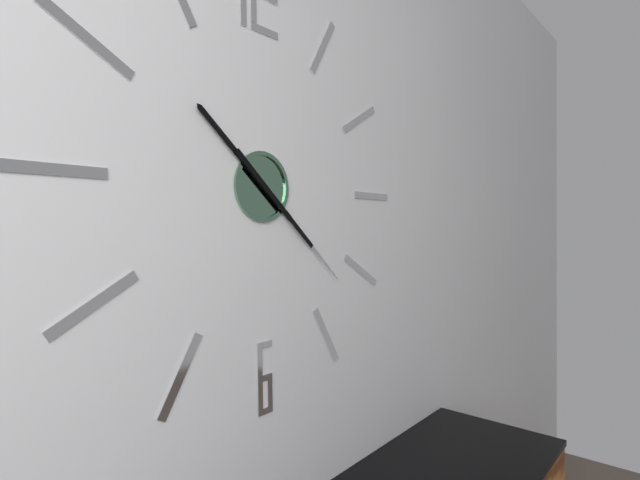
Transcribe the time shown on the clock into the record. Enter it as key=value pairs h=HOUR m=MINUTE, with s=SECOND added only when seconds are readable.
h=10 m=22
